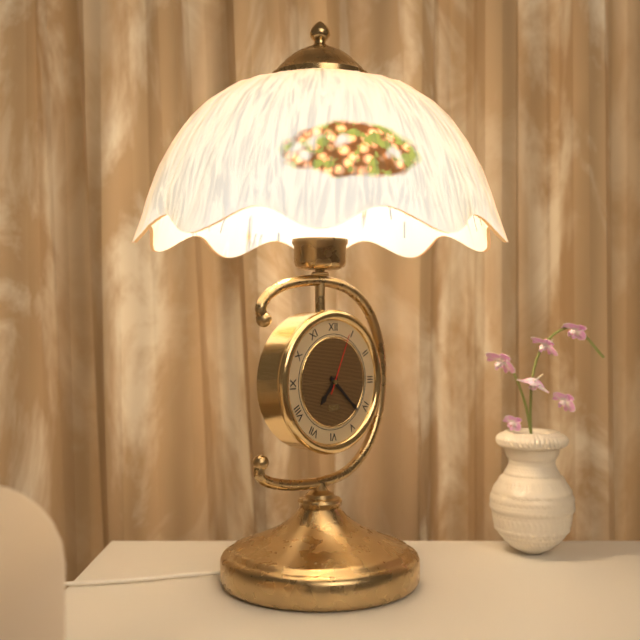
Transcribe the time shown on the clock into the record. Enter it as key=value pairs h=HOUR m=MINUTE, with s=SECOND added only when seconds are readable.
h=7 m=22 s=4
